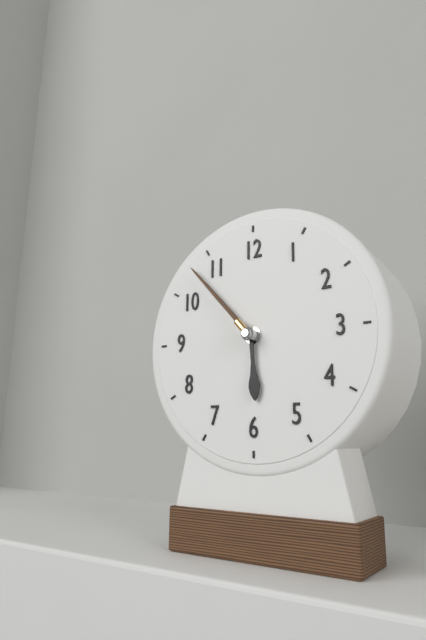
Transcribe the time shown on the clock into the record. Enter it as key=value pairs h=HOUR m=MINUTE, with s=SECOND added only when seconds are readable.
h=5 m=53
